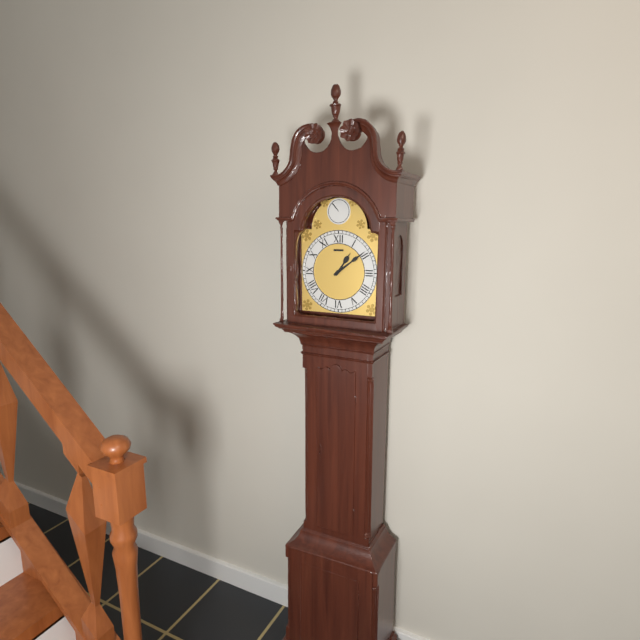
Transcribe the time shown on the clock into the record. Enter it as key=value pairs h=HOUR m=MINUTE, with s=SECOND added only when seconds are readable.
h=1 m=9
